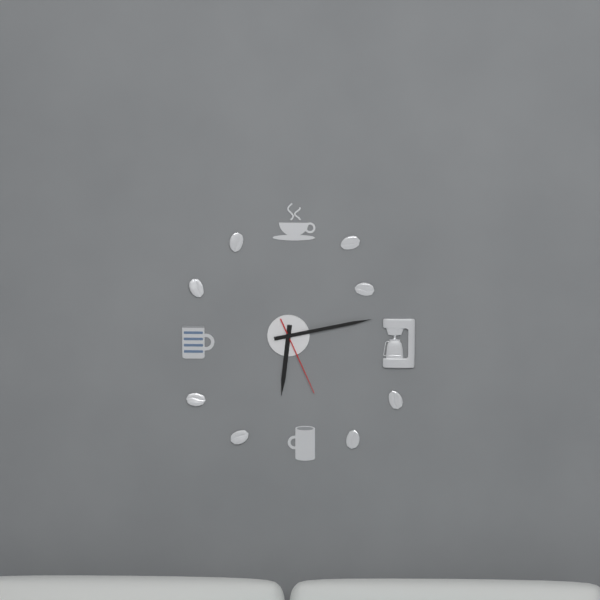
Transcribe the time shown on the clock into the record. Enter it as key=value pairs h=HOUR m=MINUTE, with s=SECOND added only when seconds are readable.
h=6 m=13 s=26
